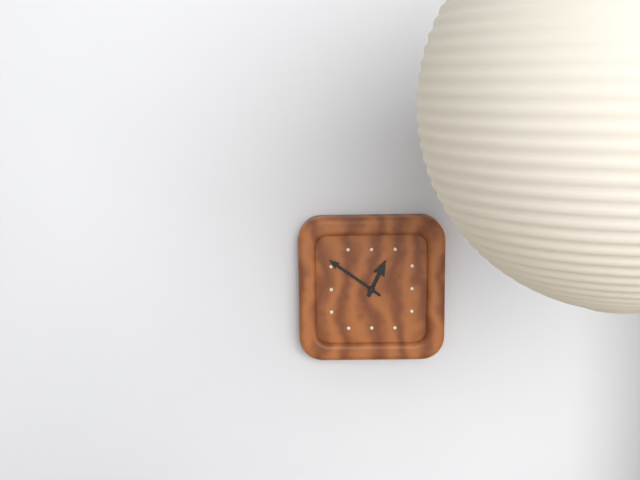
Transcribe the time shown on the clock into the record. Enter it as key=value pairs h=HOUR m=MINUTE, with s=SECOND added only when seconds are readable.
h=12 m=51
